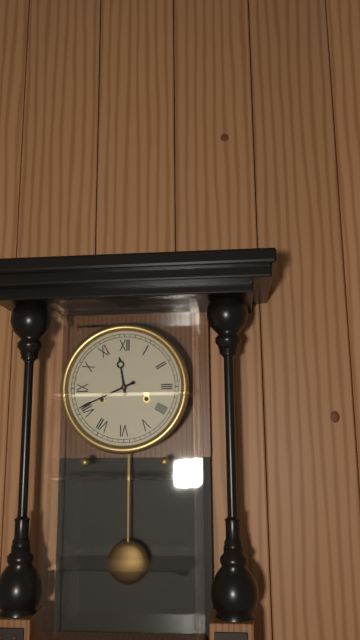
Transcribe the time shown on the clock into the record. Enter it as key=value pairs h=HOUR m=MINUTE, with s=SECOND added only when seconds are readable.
h=11 m=41
